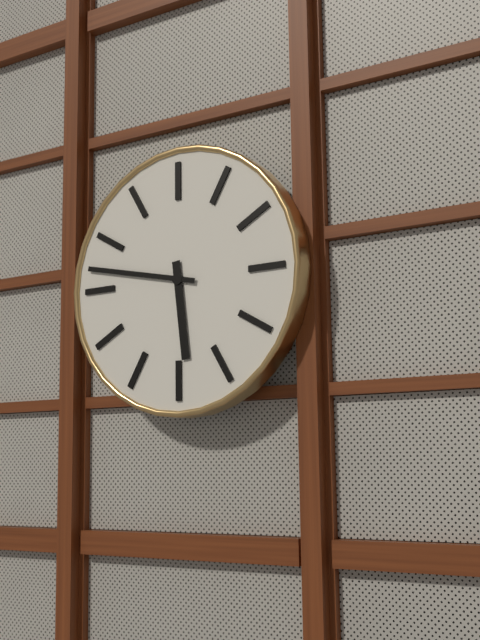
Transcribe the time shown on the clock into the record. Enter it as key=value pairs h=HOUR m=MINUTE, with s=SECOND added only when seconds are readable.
h=5 m=47
